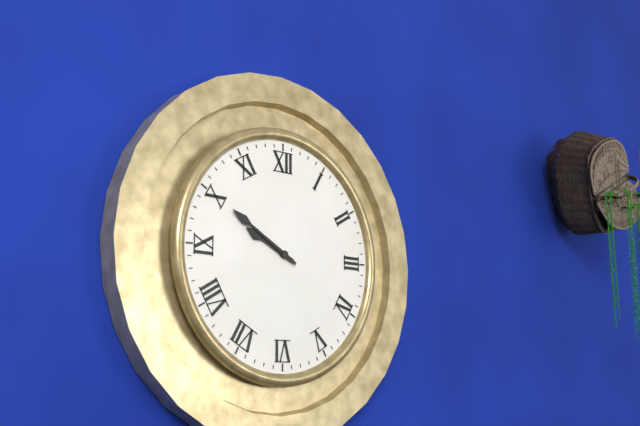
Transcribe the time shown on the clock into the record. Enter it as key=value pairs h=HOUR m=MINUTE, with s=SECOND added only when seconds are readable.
h=9 m=50
